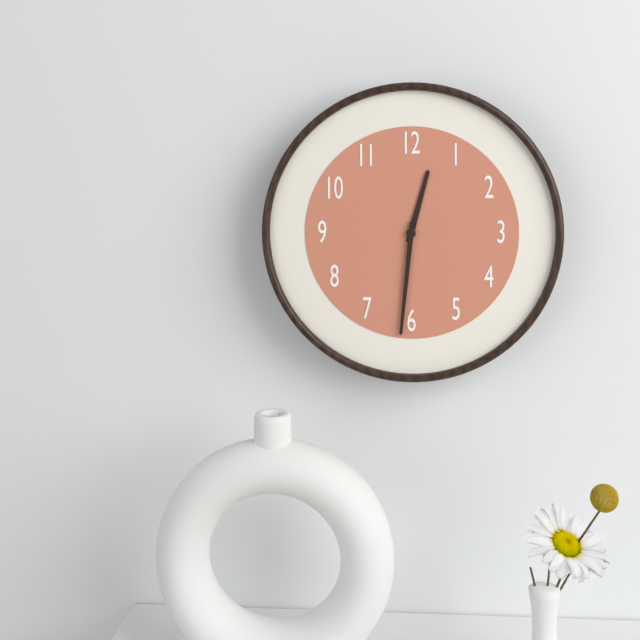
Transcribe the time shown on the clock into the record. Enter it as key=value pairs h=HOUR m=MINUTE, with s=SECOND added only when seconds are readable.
h=12 m=31
